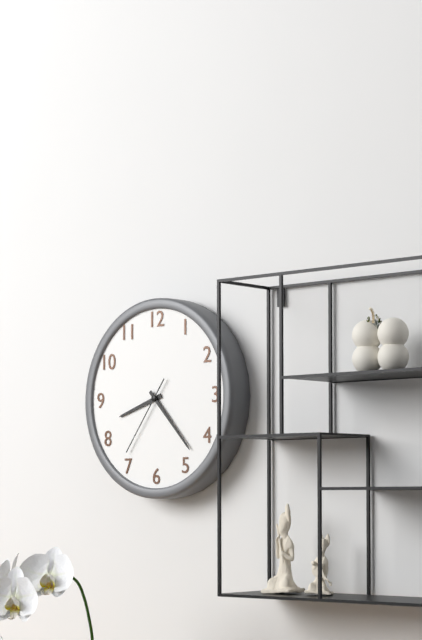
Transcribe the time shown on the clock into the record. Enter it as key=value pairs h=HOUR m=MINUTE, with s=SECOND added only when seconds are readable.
h=8 m=23 s=36
